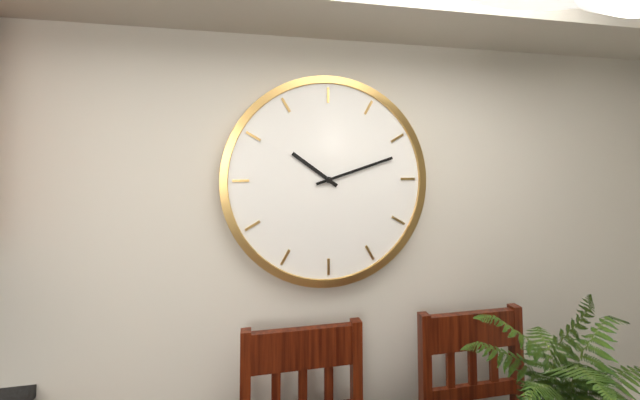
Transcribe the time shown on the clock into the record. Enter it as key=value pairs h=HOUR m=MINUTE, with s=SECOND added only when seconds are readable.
h=10 m=12
